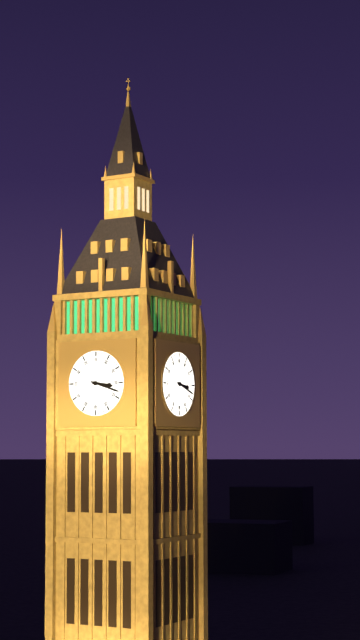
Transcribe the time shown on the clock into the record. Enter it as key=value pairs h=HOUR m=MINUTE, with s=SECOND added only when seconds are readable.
h=3 m=18
